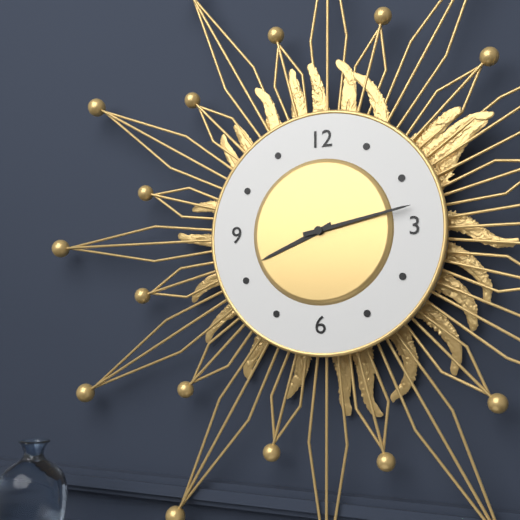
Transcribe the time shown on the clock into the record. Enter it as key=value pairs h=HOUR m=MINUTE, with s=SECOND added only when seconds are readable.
h=8 m=13
